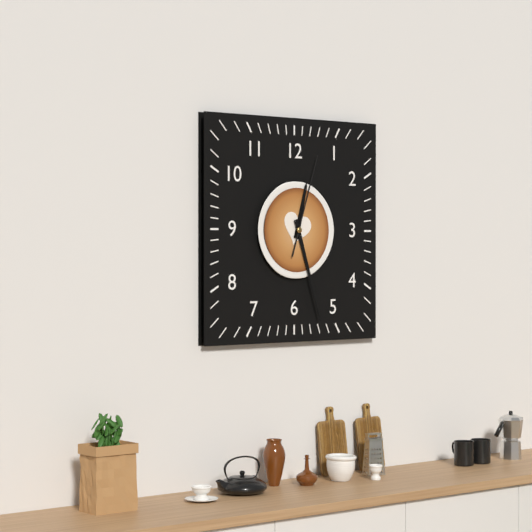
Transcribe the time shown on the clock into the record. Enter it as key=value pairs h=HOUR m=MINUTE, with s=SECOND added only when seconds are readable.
h=12 m=27 s=3
